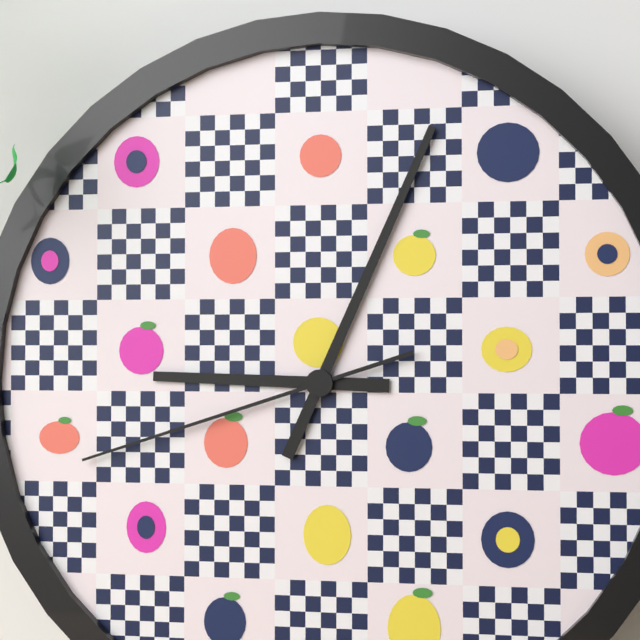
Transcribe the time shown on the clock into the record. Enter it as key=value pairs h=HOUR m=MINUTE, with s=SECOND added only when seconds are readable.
h=9 m=4 s=42
